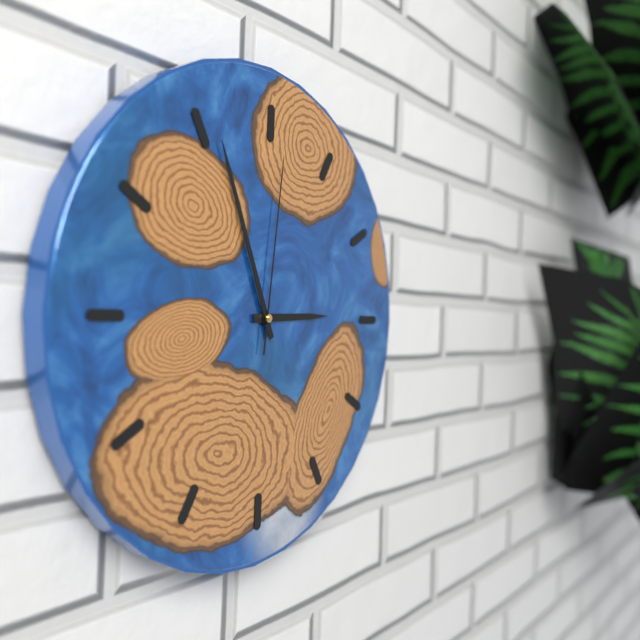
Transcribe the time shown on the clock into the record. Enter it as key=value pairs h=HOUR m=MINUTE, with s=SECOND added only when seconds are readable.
h=2 m=56 s=1
